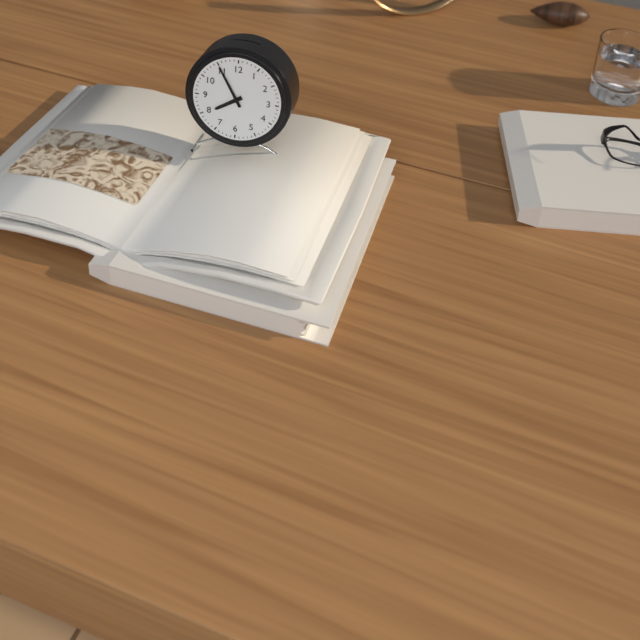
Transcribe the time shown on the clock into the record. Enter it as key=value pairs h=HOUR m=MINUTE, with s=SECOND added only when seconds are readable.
h=7 m=55
